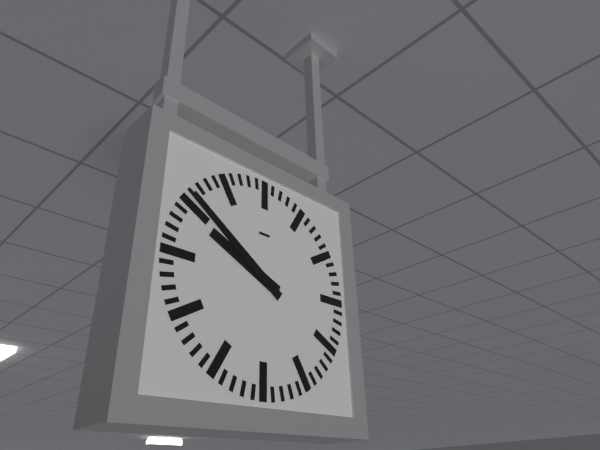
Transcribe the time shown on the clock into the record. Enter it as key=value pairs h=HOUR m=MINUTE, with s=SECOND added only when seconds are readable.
h=9 m=51
